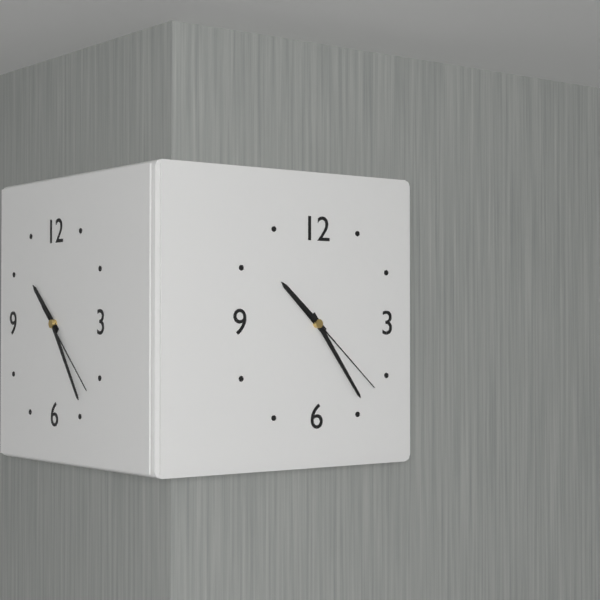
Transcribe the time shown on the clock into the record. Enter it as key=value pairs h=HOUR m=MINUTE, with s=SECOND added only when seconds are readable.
h=10 m=24 s=22
